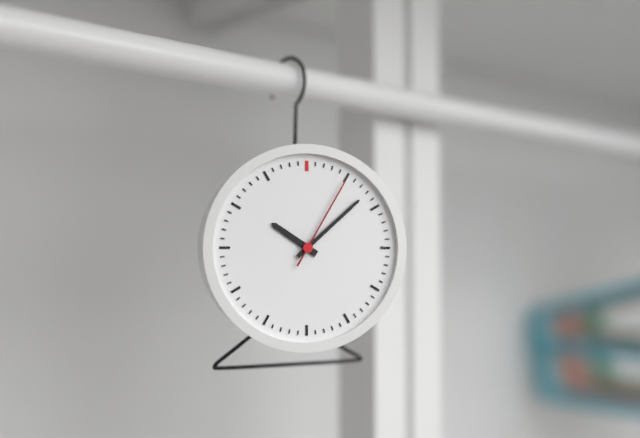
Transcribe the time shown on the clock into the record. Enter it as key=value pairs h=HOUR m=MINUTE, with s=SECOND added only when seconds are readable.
h=10 m=8 s=5
